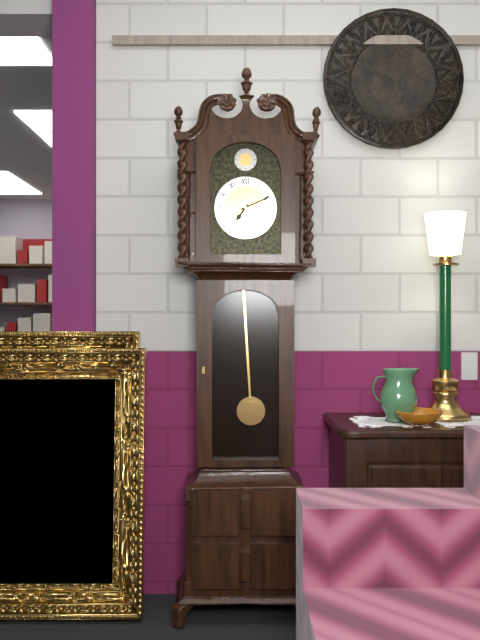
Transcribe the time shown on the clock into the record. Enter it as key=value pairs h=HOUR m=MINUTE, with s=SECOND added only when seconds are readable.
h=7 m=11
